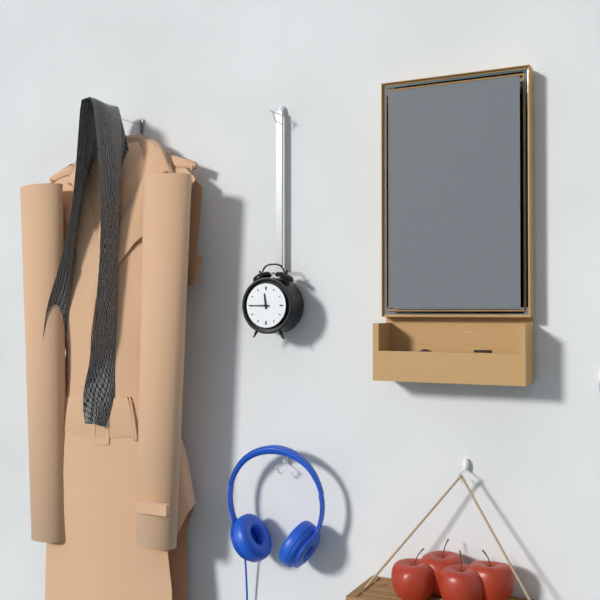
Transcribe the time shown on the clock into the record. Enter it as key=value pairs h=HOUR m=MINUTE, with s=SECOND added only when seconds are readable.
h=11 m=45
